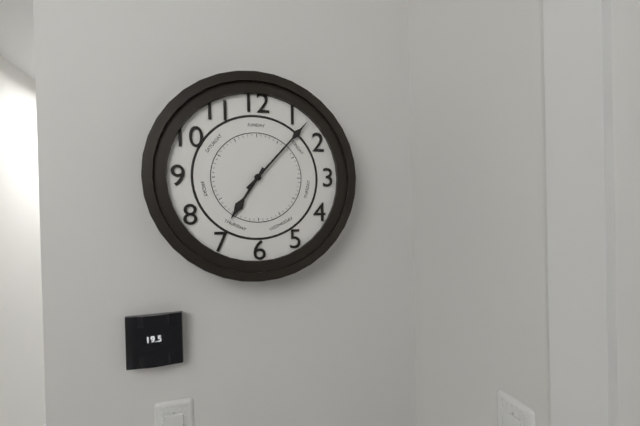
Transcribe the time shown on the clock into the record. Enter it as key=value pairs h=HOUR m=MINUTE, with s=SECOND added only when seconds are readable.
h=7 m=7
